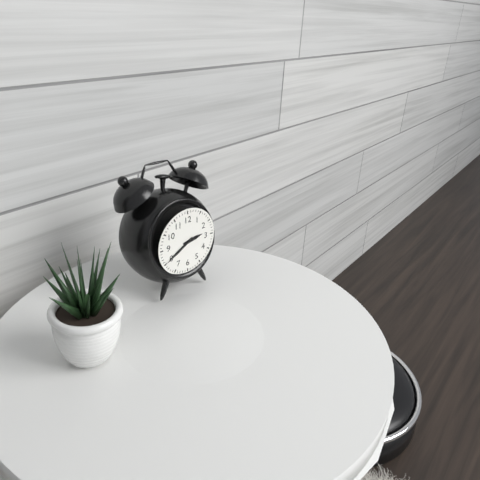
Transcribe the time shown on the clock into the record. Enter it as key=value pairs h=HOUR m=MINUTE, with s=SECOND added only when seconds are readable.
h=2 m=40
